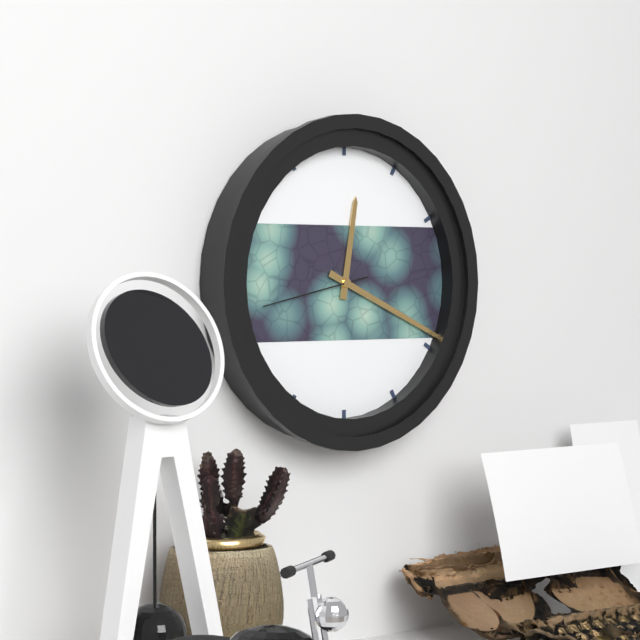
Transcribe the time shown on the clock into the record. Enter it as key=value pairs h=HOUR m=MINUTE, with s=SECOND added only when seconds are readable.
h=12 m=19 s=43
